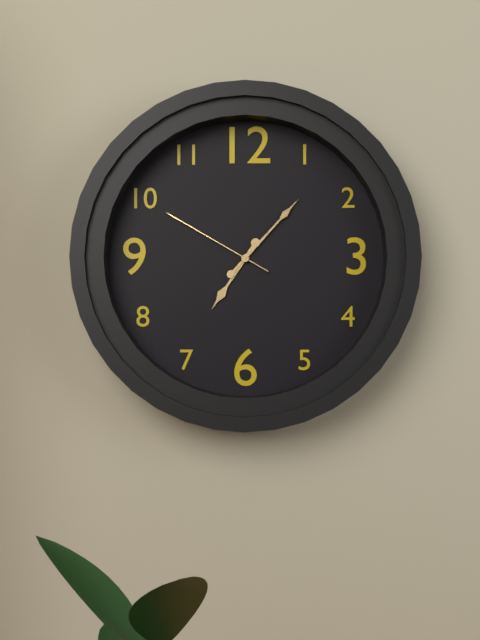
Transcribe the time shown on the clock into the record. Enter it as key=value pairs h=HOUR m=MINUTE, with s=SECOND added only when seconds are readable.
h=7 m=7 s=50
